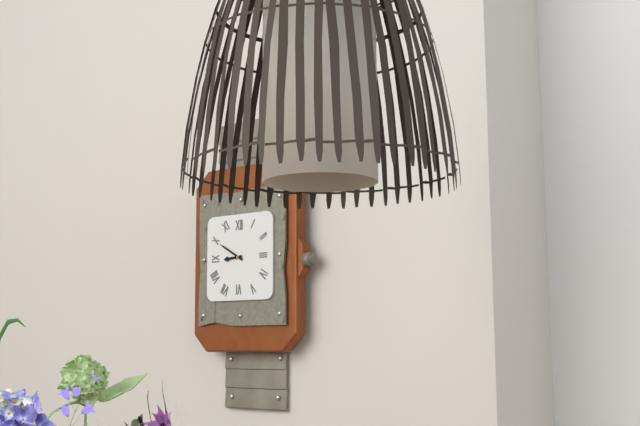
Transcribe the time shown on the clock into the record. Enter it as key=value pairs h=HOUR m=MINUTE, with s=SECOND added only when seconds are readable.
h=8 m=50
